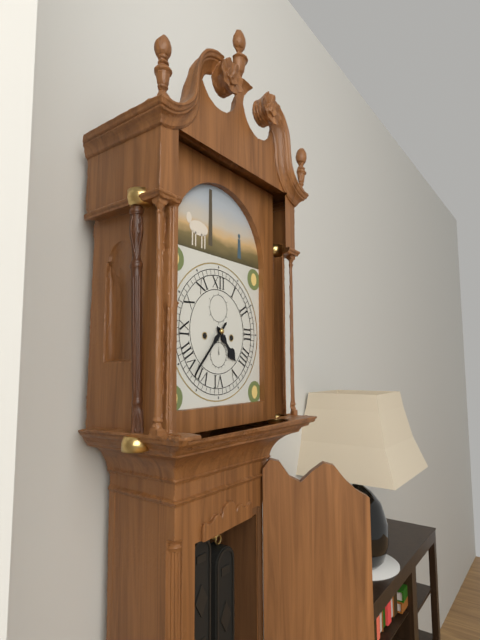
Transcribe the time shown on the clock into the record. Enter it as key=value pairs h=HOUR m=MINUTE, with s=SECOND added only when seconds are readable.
h=4 m=37
